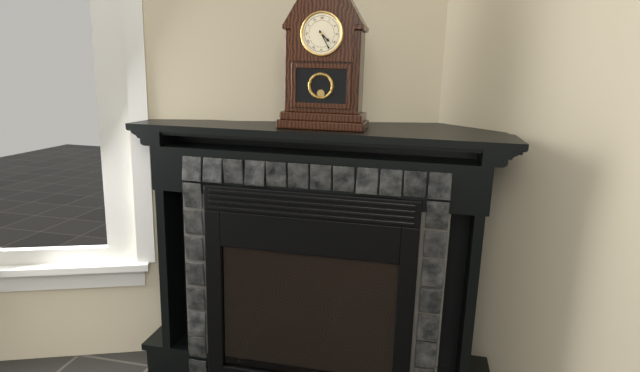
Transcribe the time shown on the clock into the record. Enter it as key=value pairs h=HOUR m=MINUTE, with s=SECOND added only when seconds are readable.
h=4 m=25
